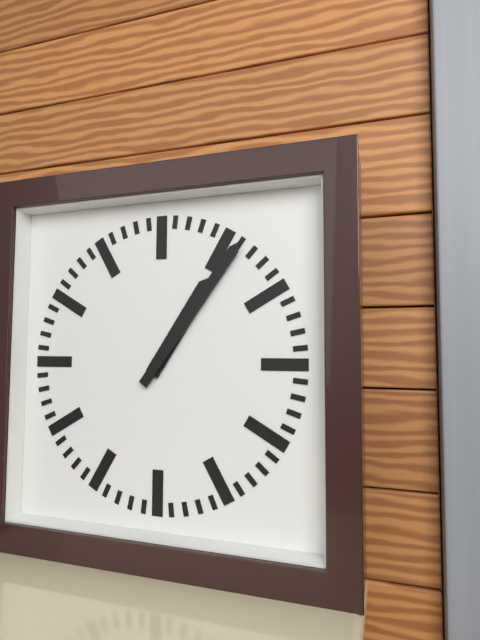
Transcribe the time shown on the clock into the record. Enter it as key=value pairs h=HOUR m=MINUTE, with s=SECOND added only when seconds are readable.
h=1 m=6
